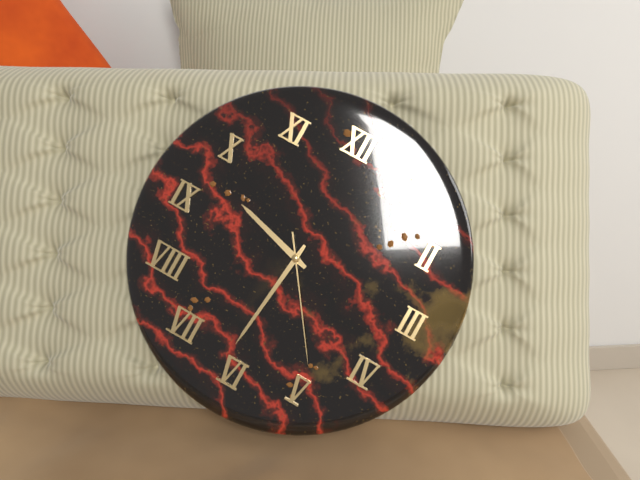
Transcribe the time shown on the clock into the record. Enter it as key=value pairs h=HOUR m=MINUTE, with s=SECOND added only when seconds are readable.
h=9 m=31 s=24
